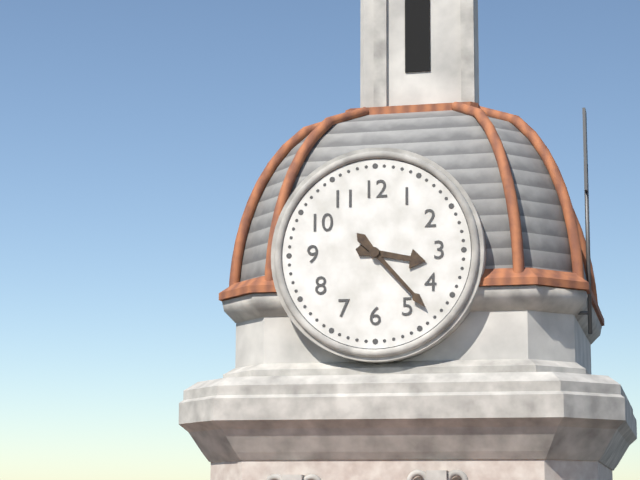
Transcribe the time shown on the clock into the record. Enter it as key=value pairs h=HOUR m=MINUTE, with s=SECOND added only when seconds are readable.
h=3 m=23
